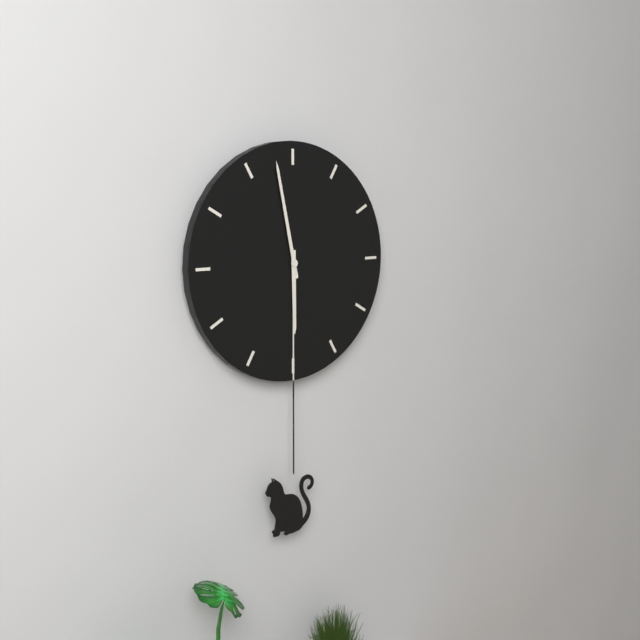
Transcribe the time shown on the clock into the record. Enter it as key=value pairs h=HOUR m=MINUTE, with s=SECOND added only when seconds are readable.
h=5 m=58
